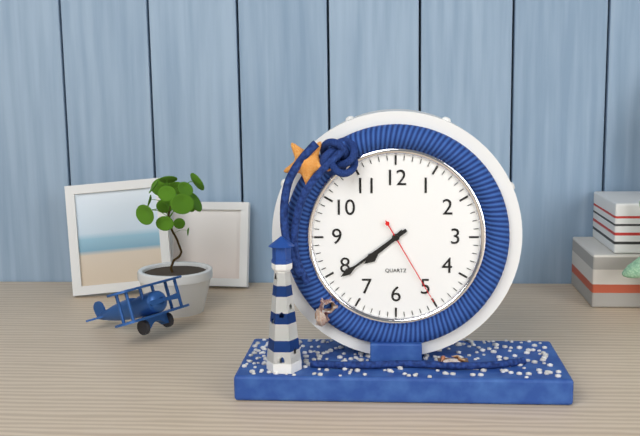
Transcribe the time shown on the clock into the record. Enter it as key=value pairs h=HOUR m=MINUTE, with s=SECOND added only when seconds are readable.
h=7 m=39 s=25
